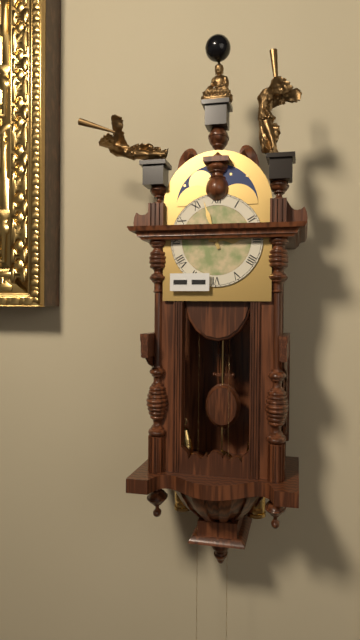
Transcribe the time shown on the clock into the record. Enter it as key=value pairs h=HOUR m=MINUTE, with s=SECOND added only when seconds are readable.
h=2 m=57
